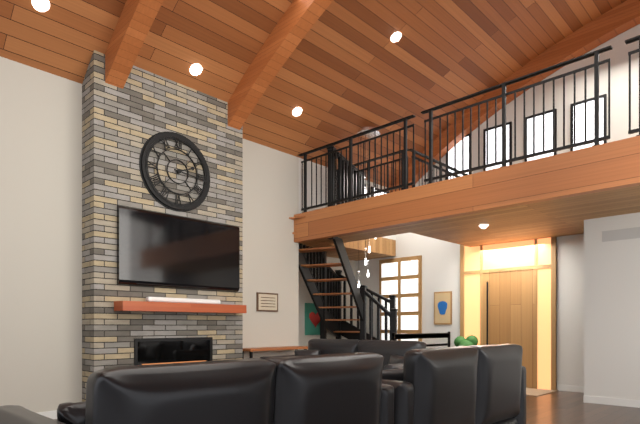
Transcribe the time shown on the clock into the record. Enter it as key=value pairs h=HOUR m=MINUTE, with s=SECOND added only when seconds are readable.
h=2 m=16
